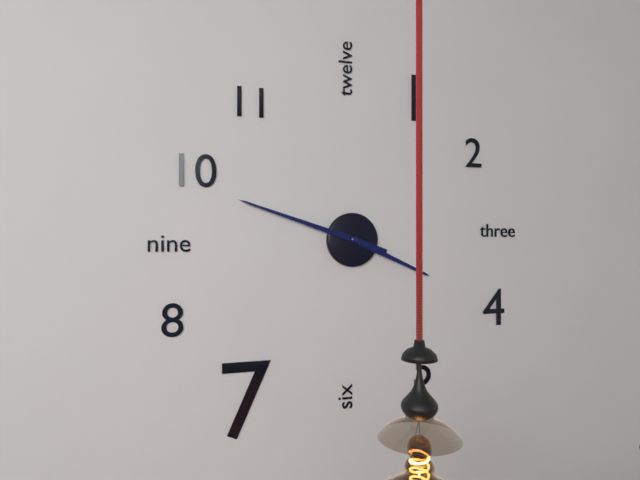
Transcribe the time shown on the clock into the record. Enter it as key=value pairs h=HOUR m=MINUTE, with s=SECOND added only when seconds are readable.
h=3 m=48
